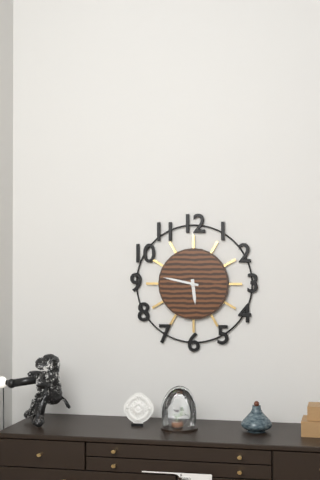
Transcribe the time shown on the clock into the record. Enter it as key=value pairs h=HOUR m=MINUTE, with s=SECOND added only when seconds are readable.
h=5 m=47
